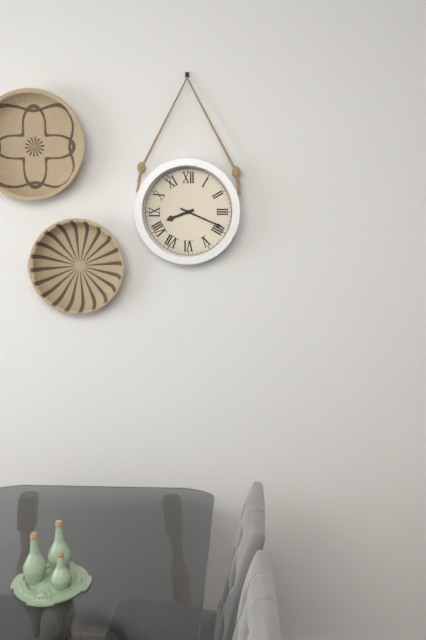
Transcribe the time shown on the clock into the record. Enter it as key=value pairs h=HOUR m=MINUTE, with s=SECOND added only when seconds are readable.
h=8 m=19
